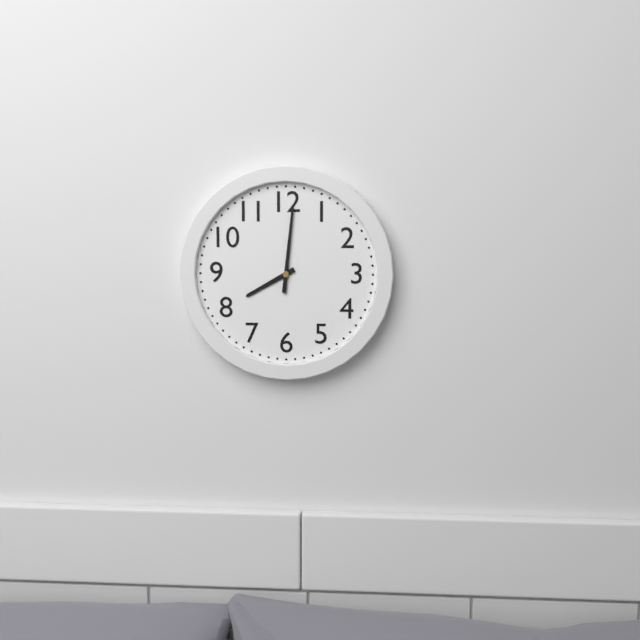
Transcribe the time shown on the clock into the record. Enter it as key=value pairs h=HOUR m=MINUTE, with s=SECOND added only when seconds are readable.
h=8 m=1
